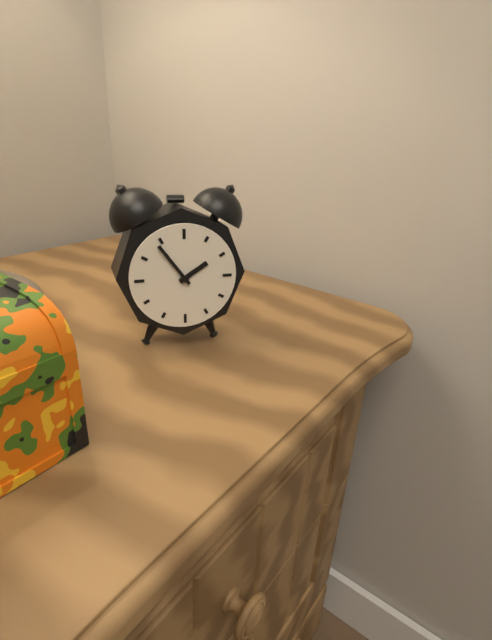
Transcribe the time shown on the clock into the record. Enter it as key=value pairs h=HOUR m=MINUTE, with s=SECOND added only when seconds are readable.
h=1 m=54
